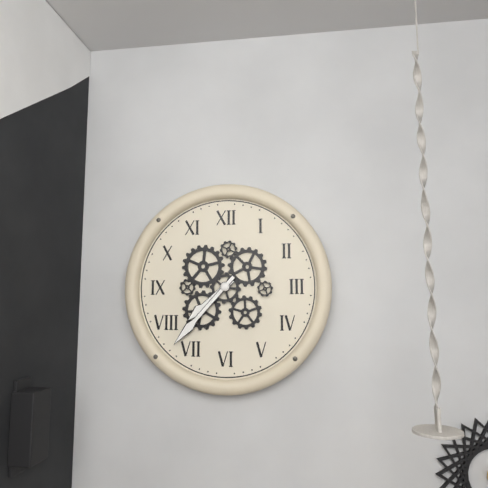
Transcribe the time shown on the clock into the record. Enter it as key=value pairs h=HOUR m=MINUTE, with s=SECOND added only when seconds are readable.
h=7 m=37
